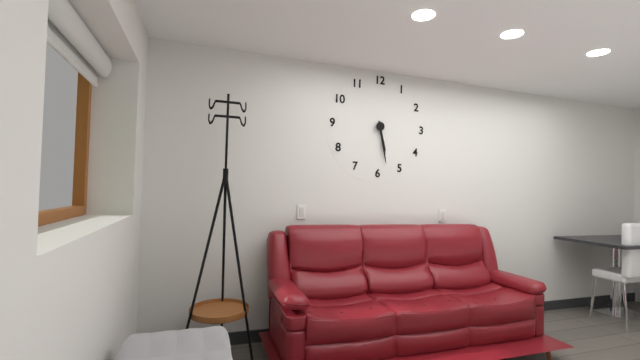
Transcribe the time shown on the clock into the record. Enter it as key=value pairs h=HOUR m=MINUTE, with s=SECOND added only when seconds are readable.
h=5 m=28
